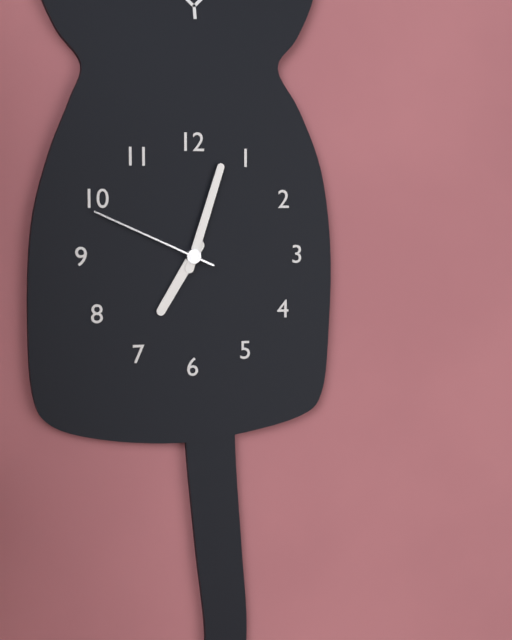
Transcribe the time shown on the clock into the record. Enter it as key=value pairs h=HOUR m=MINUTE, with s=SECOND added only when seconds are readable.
h=7 m=3 s=49
